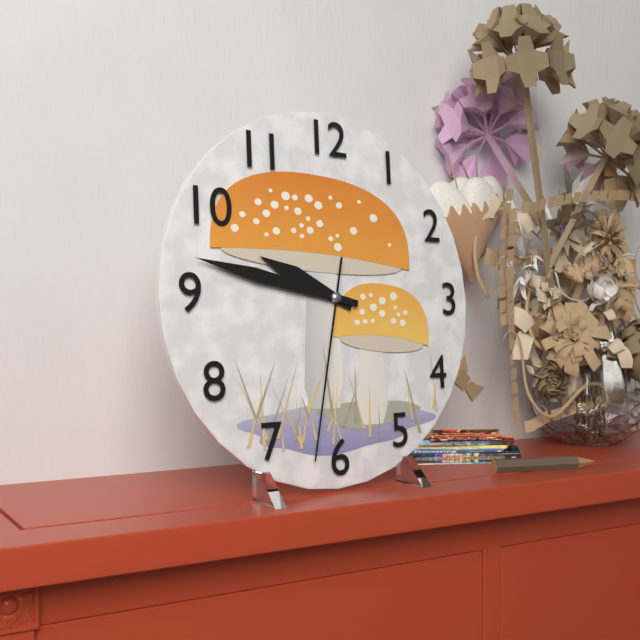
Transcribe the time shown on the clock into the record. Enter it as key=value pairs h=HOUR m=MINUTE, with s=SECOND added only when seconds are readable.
h=9 m=47 s=32
